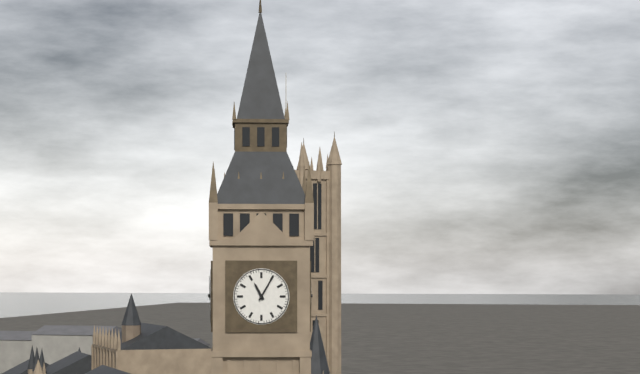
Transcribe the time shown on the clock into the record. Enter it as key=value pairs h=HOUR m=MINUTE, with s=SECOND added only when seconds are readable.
h=11 m=5
